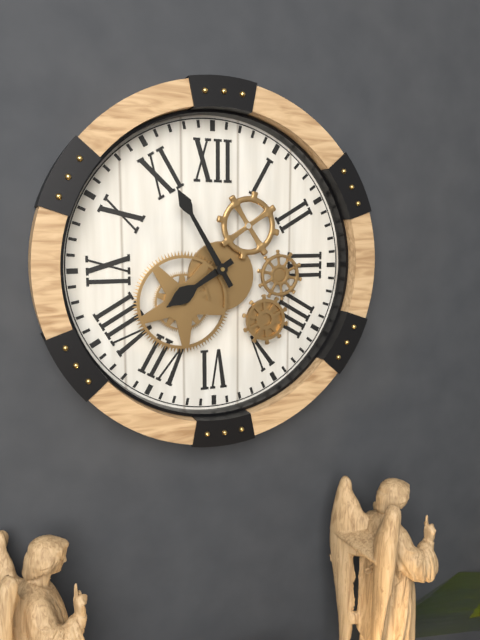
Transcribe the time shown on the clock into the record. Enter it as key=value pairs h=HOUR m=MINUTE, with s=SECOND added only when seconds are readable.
h=7 m=55
